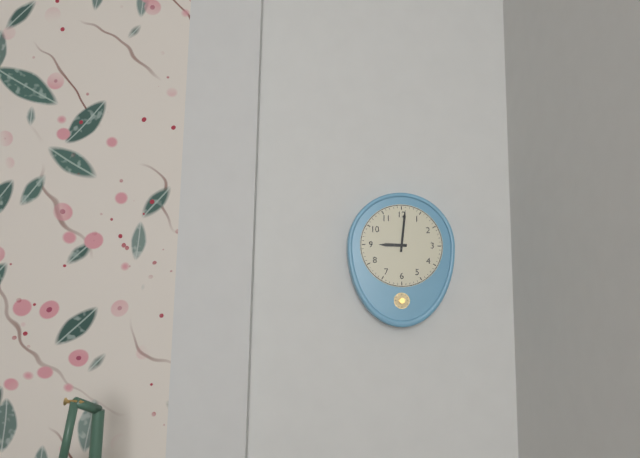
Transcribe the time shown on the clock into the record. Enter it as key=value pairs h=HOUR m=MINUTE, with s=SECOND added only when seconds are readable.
h=9 m=1
